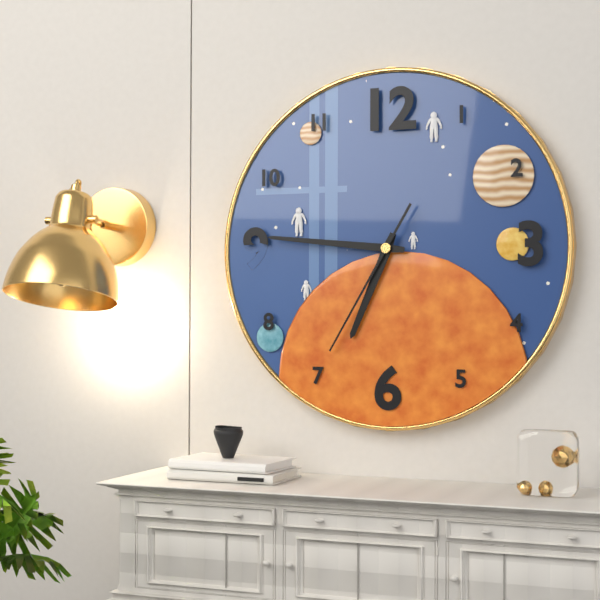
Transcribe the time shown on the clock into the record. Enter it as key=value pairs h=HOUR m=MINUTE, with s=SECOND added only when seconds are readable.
h=6 m=46 s=35
